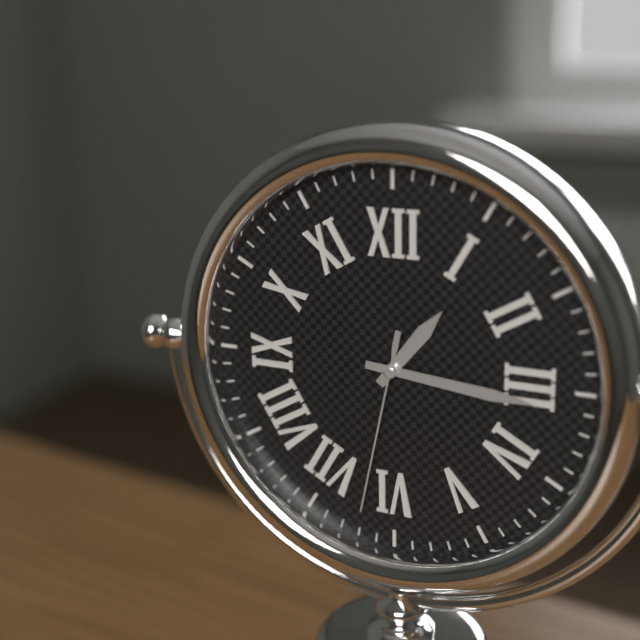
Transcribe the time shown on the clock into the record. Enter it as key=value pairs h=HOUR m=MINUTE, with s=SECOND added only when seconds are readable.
h=1 m=16 s=32
